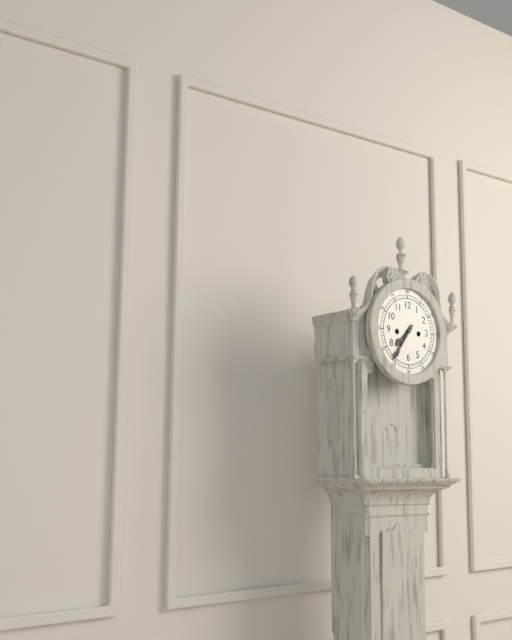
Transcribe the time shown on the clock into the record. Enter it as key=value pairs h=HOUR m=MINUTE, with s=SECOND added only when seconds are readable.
h=7 m=36
